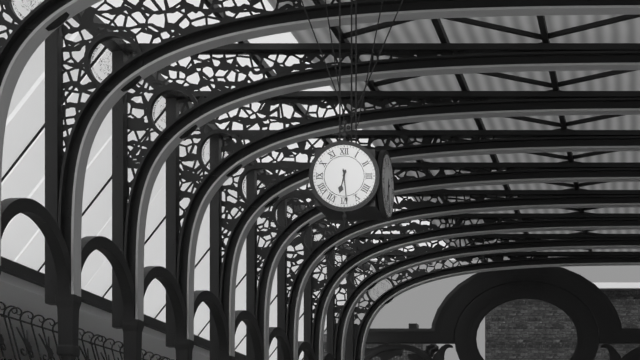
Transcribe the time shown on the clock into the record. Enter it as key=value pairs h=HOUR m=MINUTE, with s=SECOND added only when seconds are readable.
h=6 m=29
